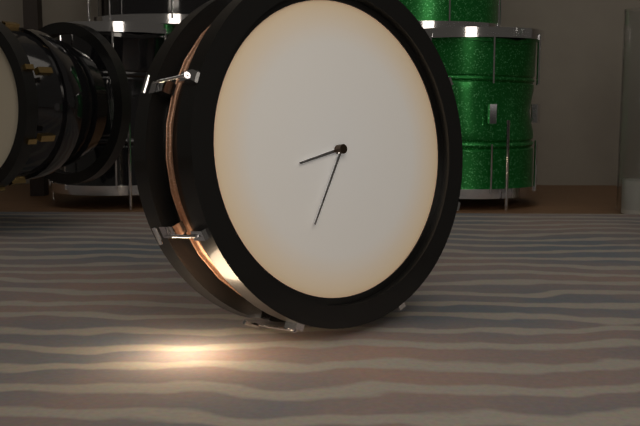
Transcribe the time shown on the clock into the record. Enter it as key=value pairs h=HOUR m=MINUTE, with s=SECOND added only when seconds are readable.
h=8 m=35
